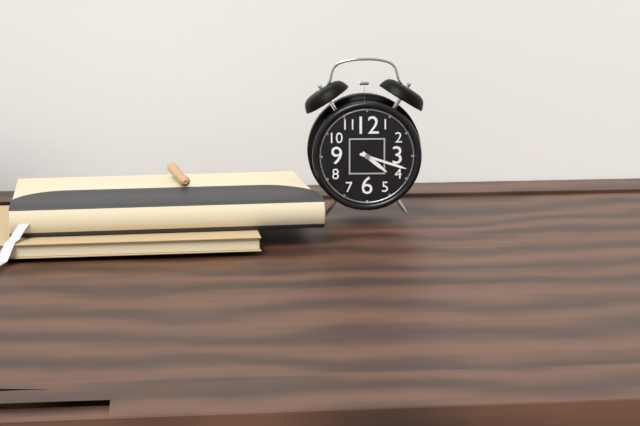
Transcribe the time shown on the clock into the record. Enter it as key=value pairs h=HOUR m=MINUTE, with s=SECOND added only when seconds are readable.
h=4 m=18
